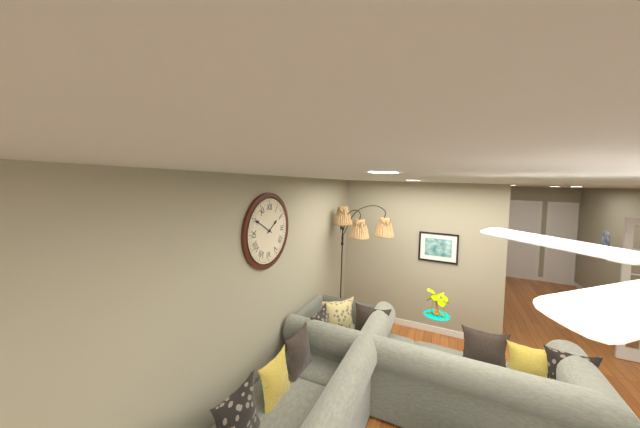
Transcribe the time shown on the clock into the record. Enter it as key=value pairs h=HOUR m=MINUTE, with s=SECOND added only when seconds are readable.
h=1 m=50
